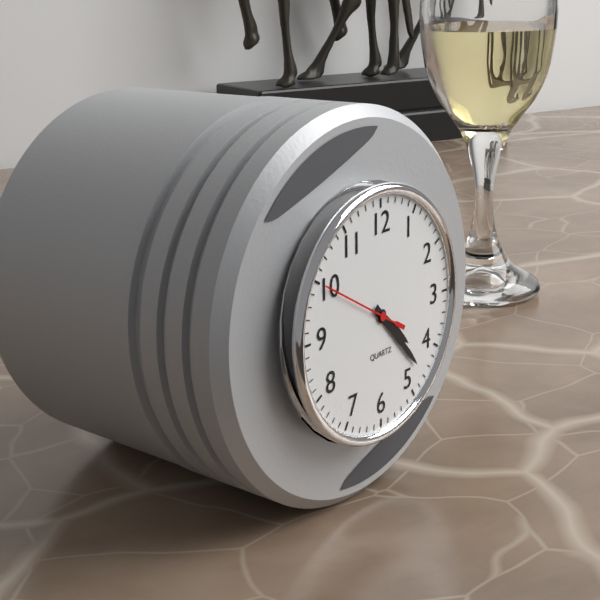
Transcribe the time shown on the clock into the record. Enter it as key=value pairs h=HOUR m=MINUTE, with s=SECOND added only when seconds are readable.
h=4 m=23 s=50
